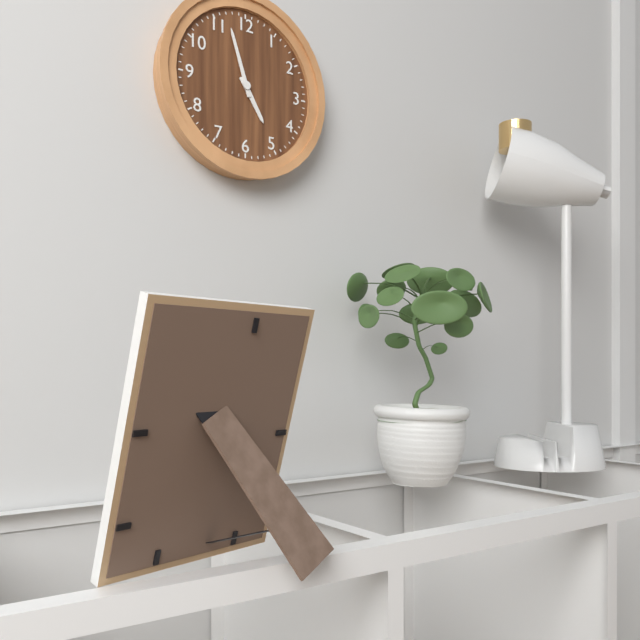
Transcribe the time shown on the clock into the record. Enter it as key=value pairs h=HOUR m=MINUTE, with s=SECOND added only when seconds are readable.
h=4 m=57
